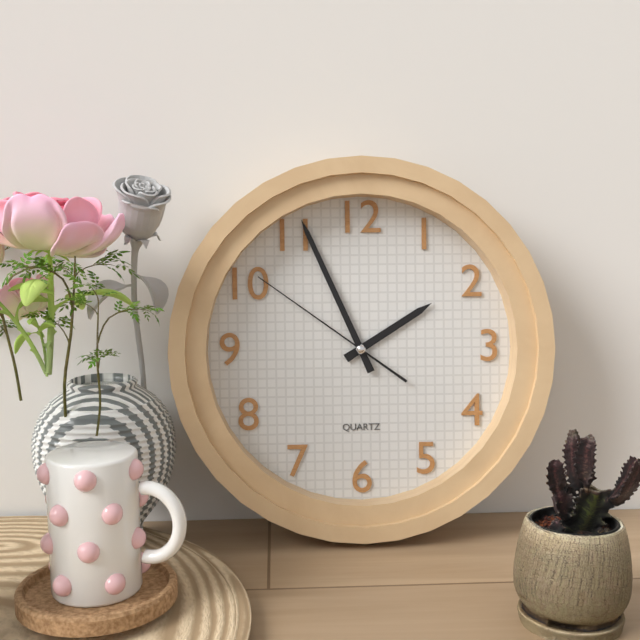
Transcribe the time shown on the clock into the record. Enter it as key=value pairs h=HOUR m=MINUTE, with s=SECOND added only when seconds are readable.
h=1 m=56 s=51
